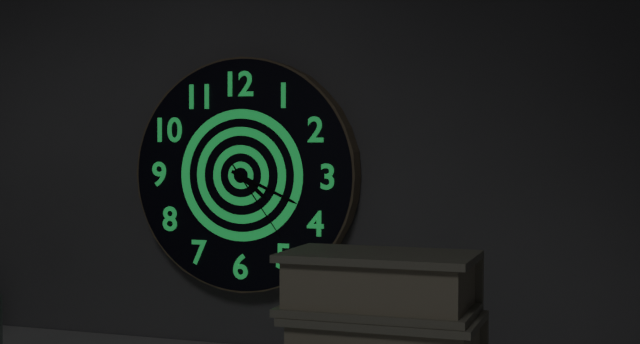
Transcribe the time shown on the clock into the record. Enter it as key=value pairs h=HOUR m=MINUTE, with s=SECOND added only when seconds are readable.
h=4 m=19 s=24
